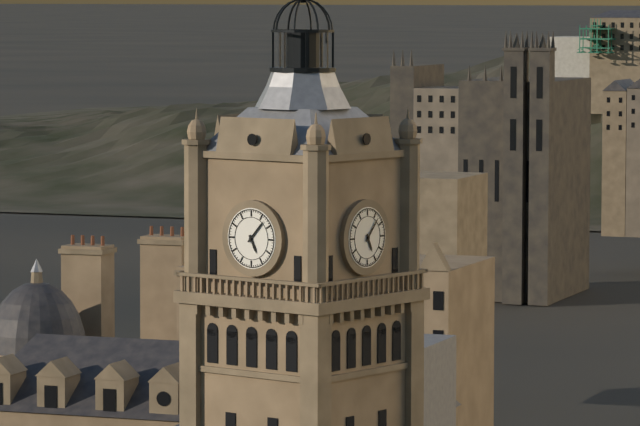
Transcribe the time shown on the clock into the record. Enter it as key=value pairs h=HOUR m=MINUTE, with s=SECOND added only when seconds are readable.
h=5 m=7
